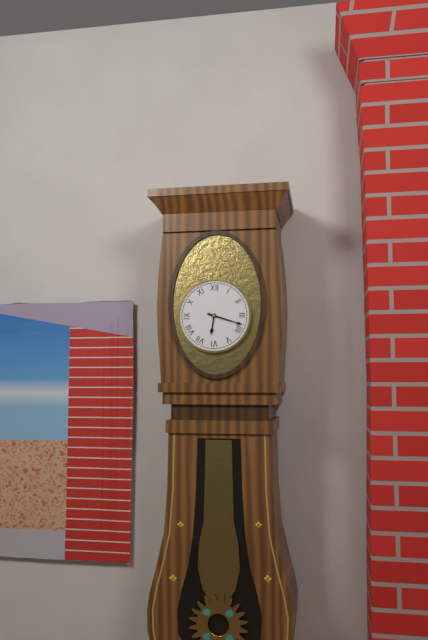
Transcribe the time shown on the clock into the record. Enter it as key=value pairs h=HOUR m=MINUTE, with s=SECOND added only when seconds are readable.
h=6 m=18
